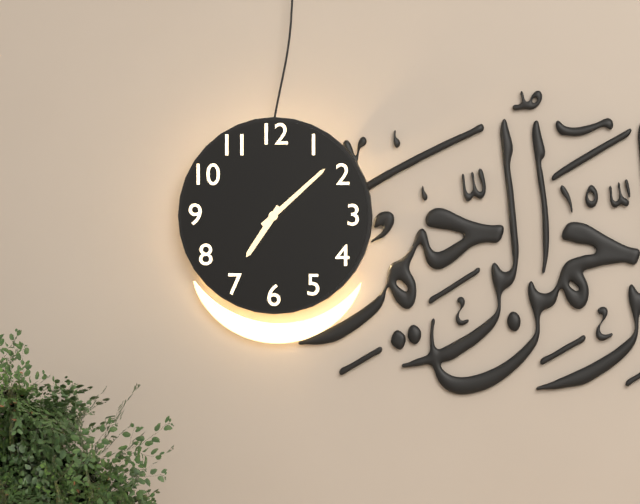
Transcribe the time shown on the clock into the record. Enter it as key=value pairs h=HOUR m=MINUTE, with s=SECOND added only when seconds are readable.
h=7 m=8
